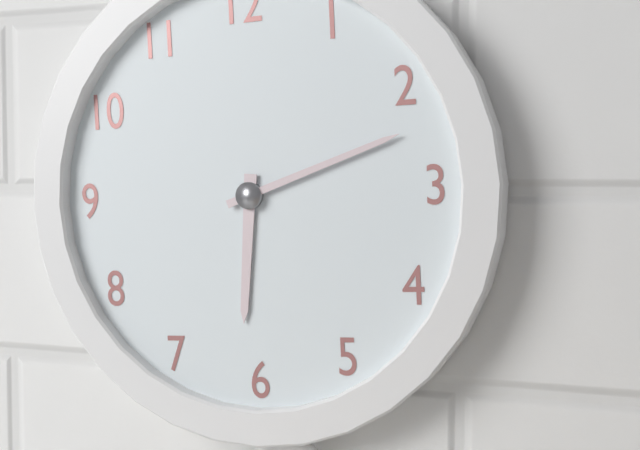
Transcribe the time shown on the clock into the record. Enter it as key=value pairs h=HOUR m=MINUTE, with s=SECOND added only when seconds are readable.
h=6 m=12
